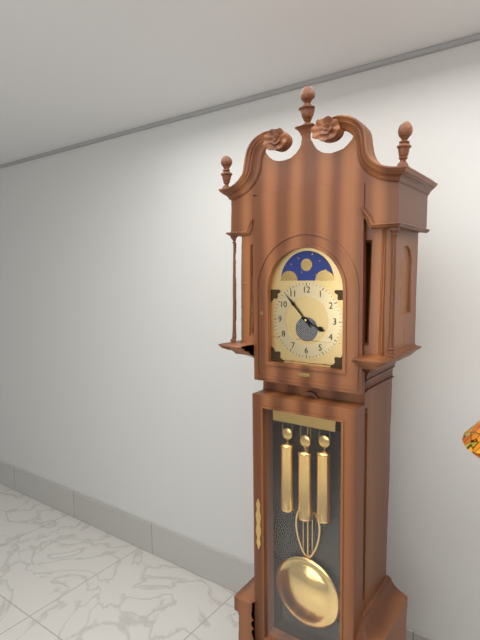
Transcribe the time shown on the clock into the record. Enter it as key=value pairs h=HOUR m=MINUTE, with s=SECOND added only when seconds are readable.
h=3 m=53
